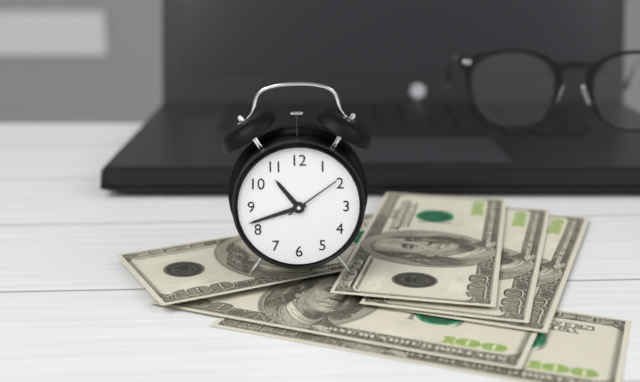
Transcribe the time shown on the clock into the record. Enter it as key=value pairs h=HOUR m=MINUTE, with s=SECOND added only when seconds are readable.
h=10 m=42 s=9
